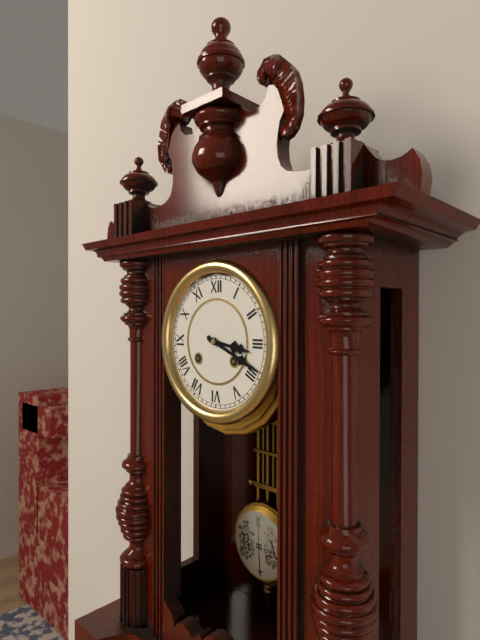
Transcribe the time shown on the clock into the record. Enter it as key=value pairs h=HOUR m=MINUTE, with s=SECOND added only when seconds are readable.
h=3 m=19
